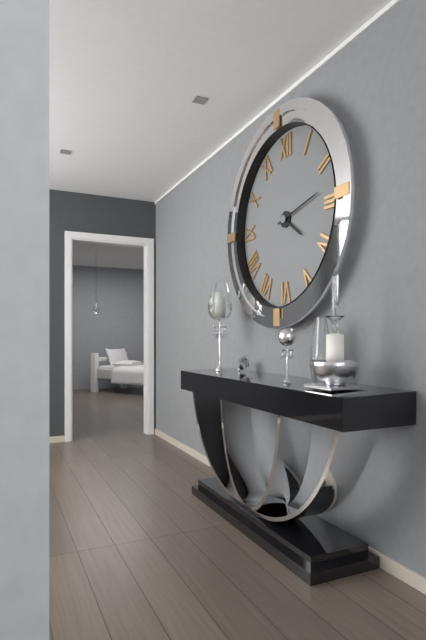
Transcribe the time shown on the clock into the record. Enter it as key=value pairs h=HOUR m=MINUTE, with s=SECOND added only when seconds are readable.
h=4 m=13
